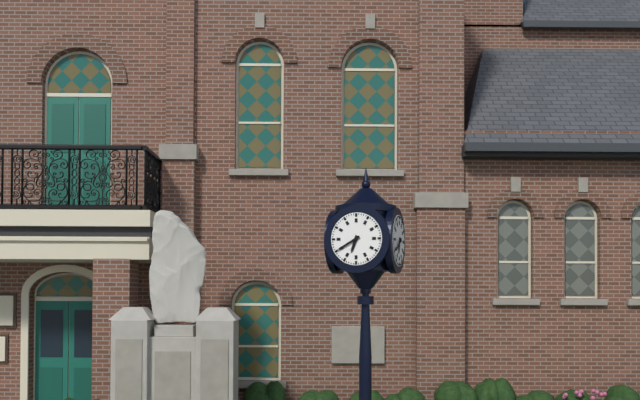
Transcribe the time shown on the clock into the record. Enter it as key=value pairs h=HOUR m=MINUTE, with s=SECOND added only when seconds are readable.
h=6 m=40
